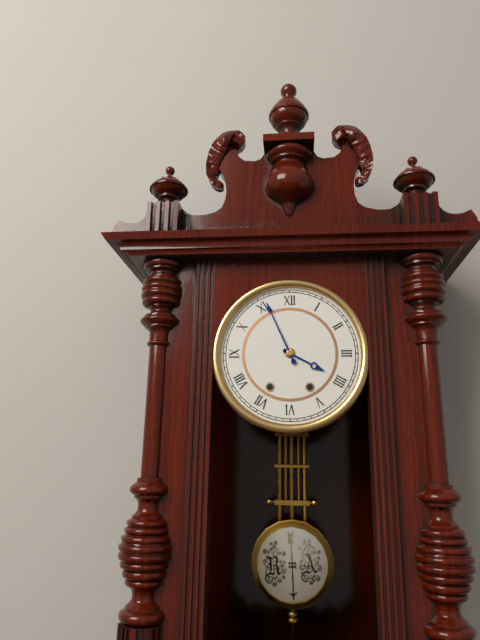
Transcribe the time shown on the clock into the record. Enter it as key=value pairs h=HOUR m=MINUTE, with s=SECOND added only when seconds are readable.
h=3 m=56
